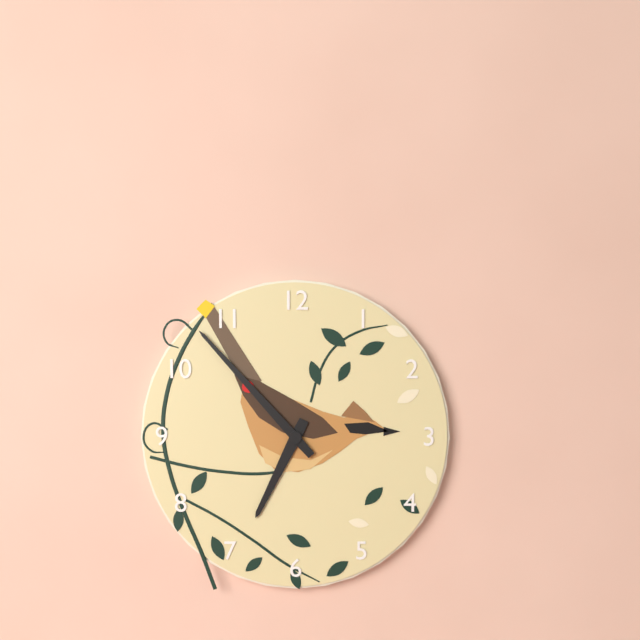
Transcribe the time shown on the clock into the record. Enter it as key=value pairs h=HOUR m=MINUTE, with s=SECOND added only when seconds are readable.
h=6 m=53
